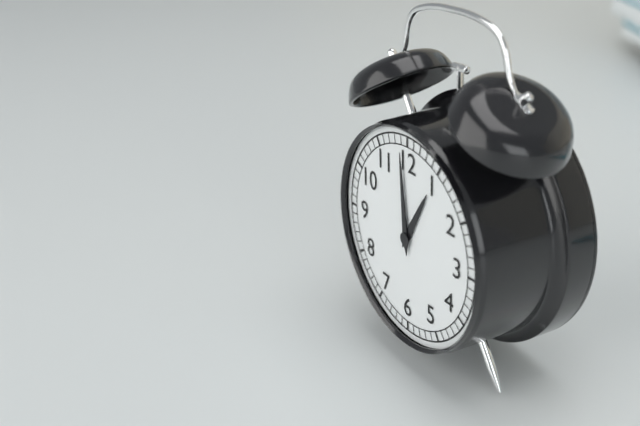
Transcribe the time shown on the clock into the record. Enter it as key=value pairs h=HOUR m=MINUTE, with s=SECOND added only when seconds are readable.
h=12 m=59
